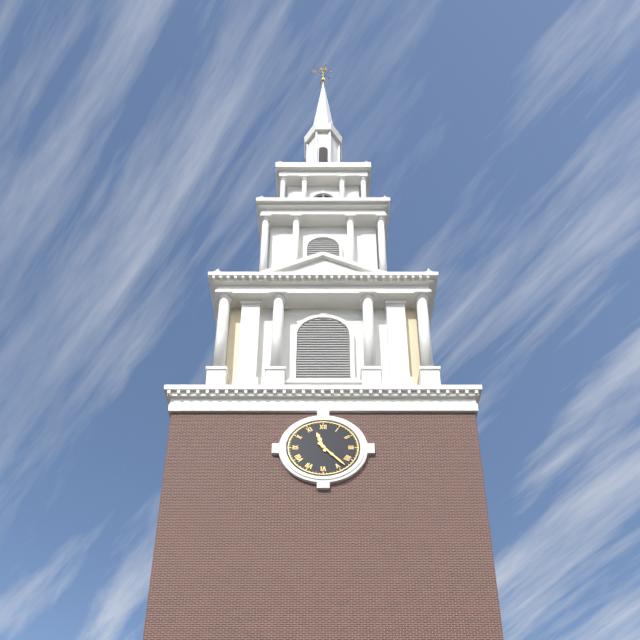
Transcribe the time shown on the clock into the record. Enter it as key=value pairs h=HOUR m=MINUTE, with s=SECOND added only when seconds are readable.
h=11 m=23
